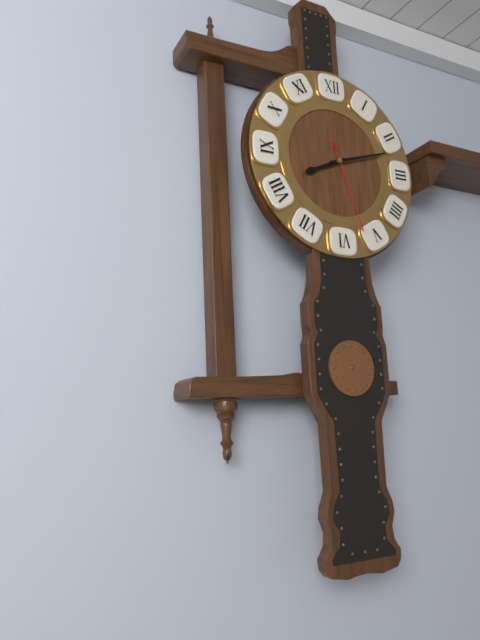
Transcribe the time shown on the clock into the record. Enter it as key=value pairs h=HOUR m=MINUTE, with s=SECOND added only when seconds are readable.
h=8 m=12 s=27
